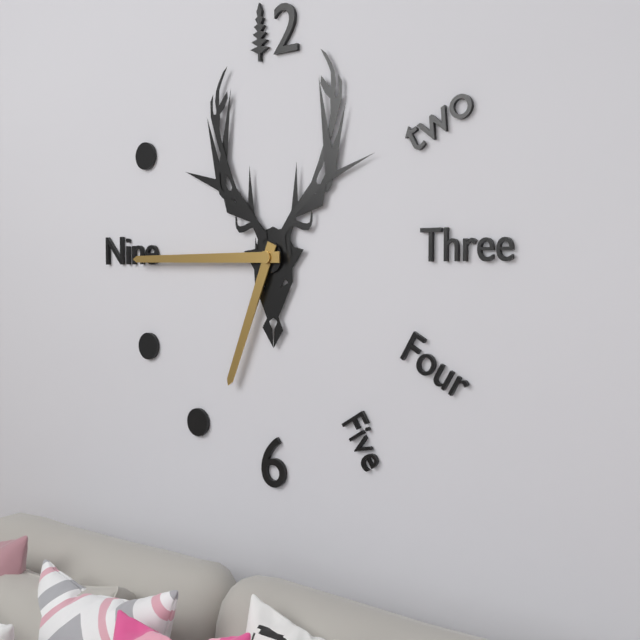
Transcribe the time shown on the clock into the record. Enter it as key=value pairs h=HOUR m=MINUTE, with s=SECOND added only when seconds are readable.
h=6 m=45
